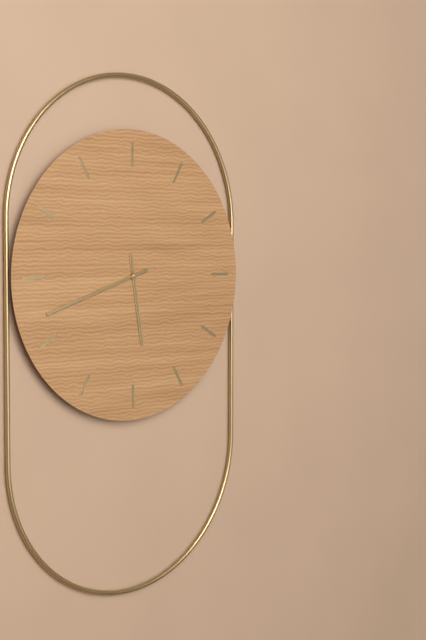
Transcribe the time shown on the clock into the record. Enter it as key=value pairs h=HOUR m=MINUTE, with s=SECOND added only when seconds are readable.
h=5 m=42
